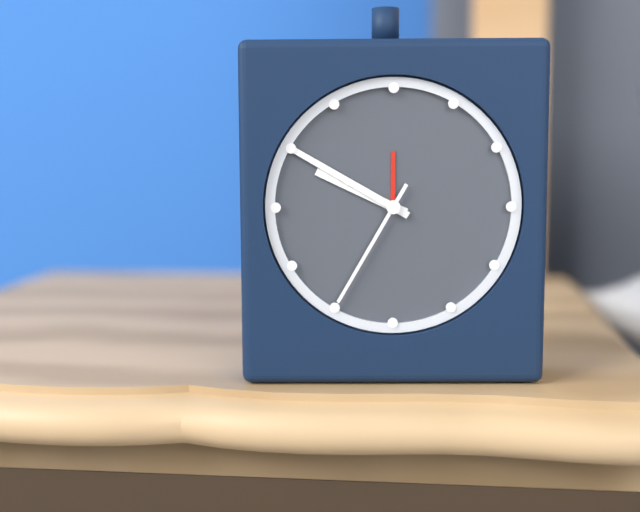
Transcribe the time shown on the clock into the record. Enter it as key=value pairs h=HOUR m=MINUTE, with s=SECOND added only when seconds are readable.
h=9 m=50 s=35
